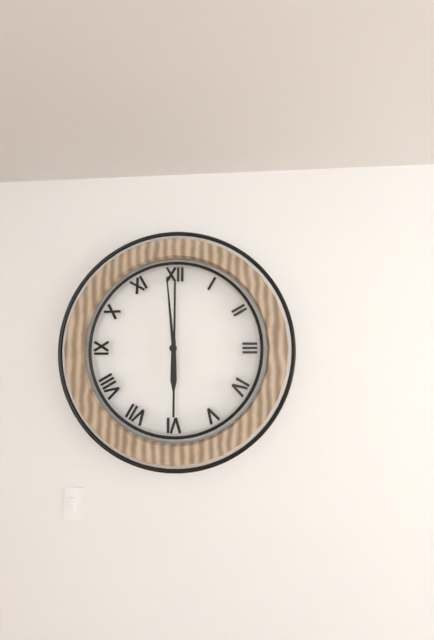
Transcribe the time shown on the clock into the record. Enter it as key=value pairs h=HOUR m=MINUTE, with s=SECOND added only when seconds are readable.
h=5 m=59
